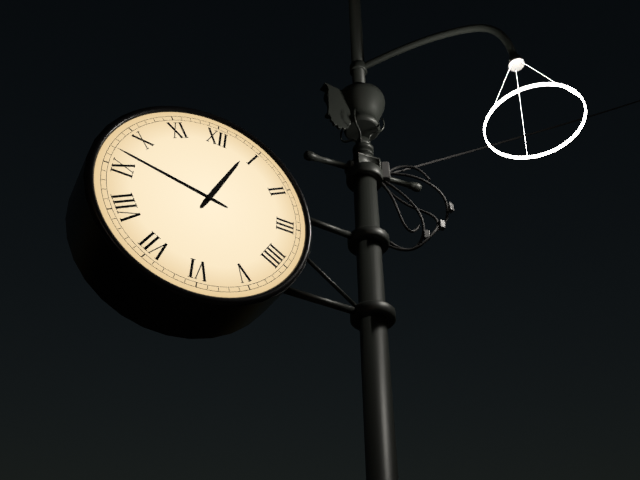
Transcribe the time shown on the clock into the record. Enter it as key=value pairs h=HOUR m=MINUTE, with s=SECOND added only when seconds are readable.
h=12 m=47
